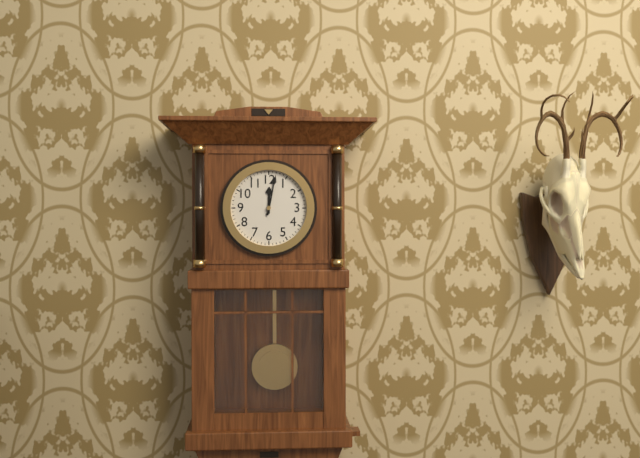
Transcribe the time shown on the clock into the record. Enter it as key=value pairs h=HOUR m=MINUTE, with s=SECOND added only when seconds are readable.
h=12 m=2
